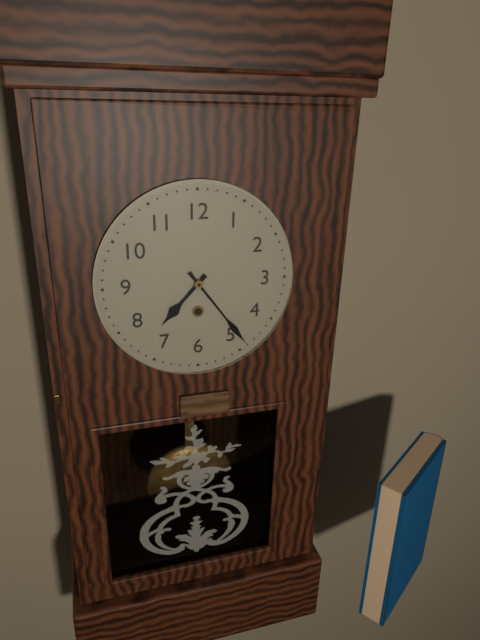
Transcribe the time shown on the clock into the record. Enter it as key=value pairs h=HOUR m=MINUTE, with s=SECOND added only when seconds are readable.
h=7 m=24
